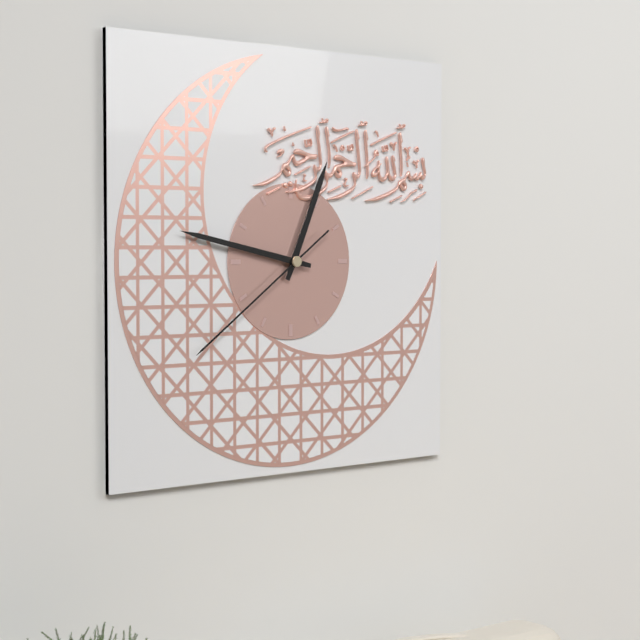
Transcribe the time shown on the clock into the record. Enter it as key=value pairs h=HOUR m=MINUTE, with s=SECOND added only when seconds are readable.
h=12 m=47 s=39
